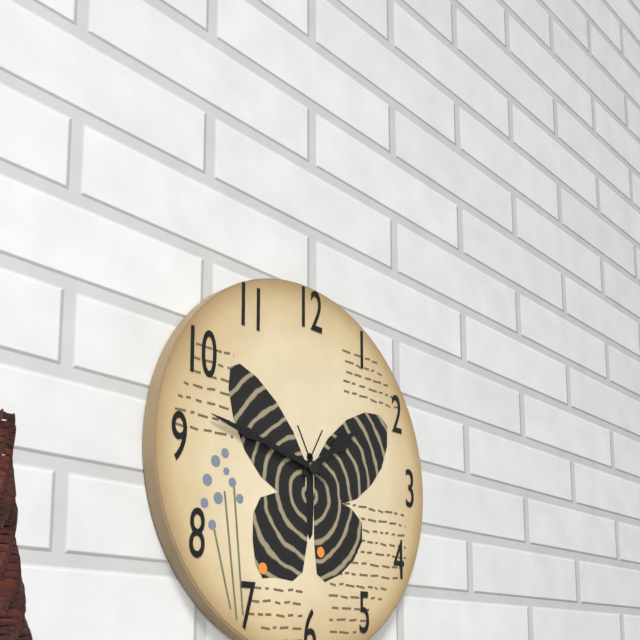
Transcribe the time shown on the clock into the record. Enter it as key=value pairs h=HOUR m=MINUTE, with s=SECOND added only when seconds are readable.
h=1 m=47
